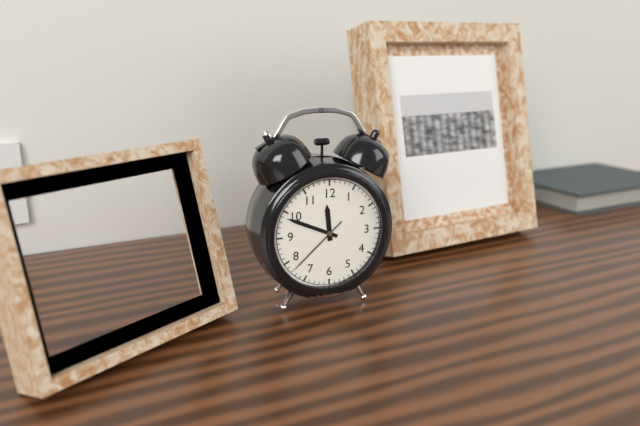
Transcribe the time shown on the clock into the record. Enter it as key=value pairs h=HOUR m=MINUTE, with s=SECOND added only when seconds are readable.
h=11 m=49 s=38
